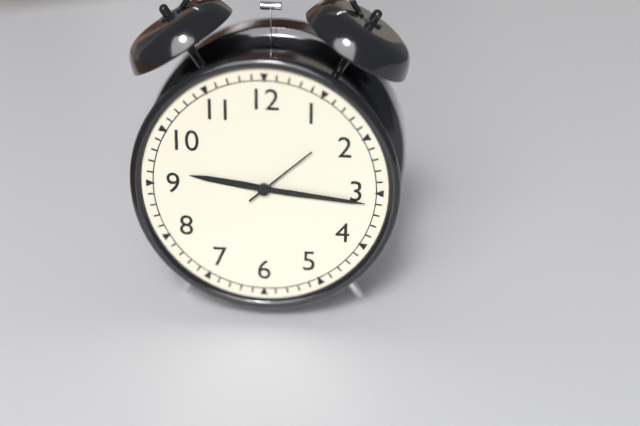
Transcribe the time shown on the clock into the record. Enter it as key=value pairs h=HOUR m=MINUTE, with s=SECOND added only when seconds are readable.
h=9 m=16 s=8
